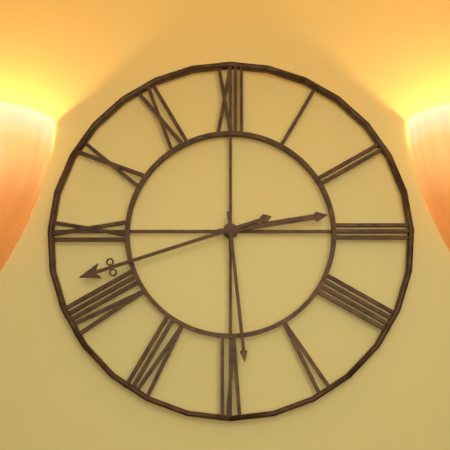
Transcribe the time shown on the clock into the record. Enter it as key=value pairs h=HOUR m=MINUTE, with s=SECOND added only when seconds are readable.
h=2 m=42 s=29
